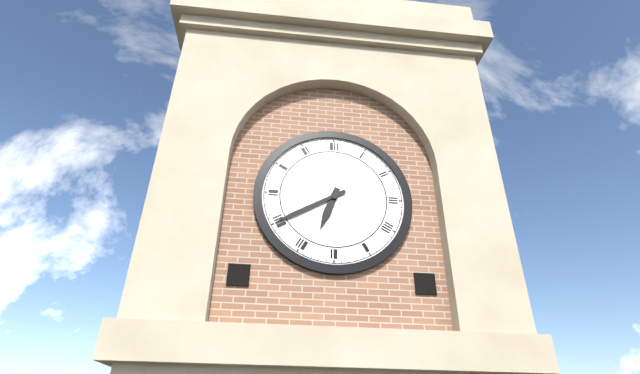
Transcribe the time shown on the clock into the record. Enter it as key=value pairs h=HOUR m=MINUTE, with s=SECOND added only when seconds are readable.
h=6 m=40
